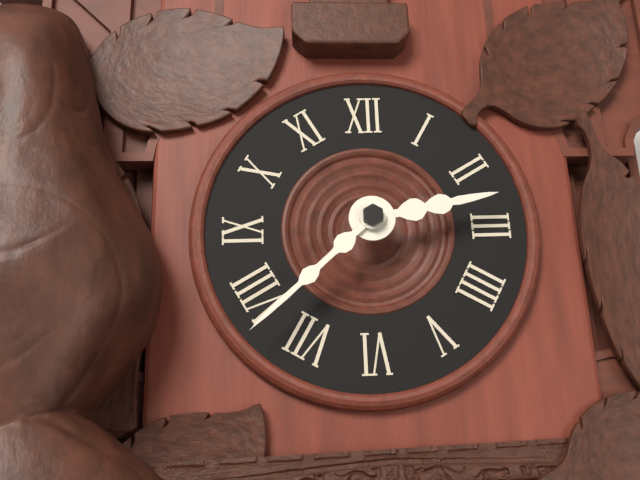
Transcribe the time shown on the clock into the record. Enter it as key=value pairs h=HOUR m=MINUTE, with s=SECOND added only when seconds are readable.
h=2 m=38
